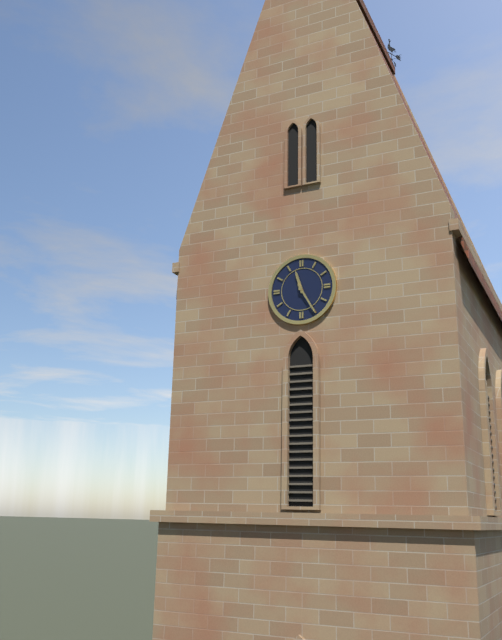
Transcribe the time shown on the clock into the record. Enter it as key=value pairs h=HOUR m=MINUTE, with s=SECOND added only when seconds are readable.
h=11 m=25
